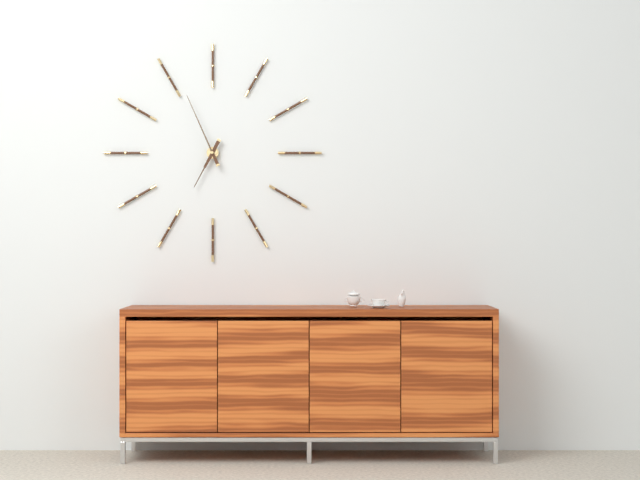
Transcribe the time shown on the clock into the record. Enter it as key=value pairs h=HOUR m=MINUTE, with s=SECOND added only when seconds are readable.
h=6 m=56
